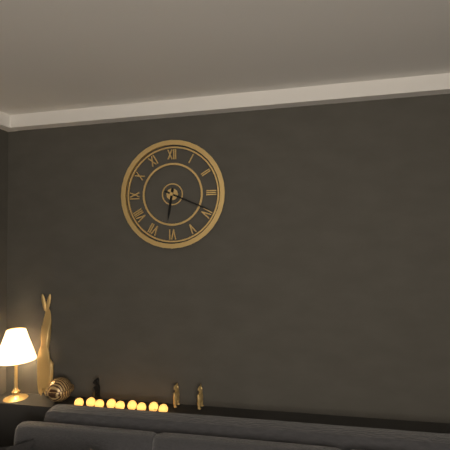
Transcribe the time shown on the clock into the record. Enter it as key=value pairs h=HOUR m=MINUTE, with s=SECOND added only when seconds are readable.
h=6 m=19
